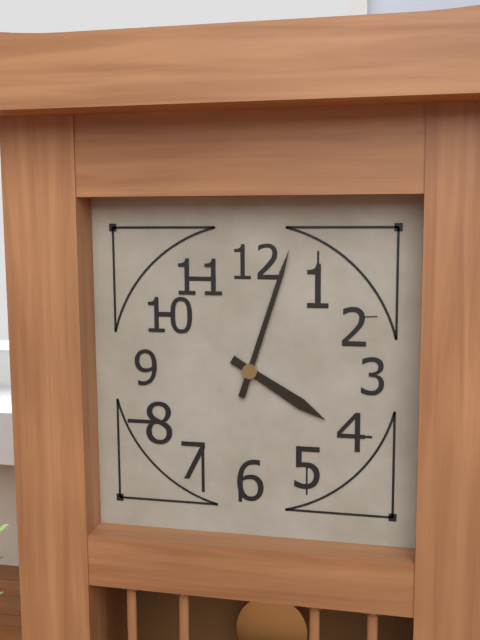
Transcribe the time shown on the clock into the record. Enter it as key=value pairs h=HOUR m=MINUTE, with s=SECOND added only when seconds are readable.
h=4 m=3
